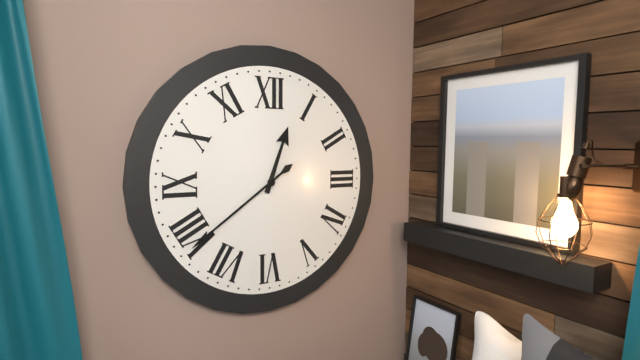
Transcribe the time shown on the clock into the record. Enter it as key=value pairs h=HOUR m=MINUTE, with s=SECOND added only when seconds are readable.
h=12 m=39
